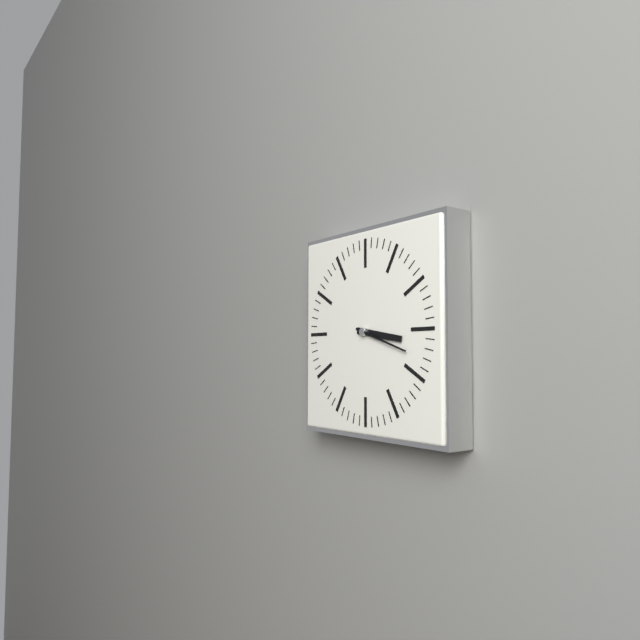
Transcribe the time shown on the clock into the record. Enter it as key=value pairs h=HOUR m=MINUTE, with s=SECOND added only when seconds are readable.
h=3 m=18
